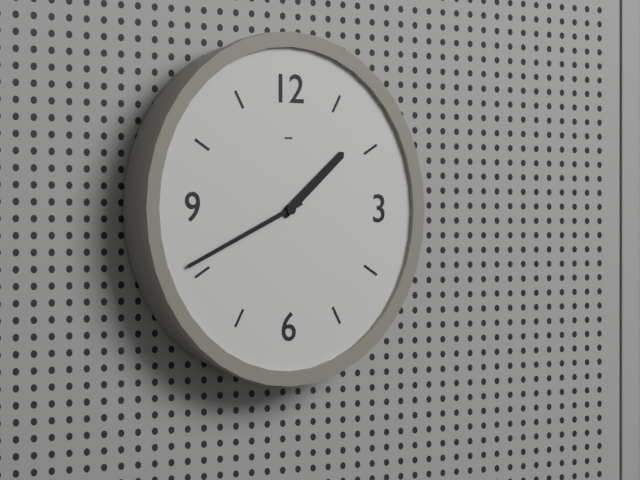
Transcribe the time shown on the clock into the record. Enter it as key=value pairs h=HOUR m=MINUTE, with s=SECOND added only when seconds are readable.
h=1 m=41
